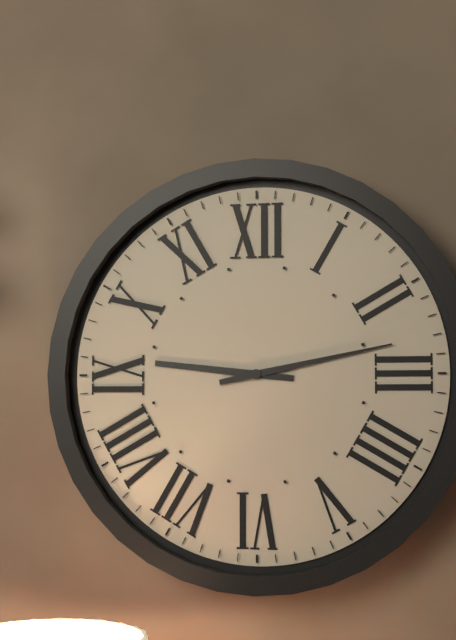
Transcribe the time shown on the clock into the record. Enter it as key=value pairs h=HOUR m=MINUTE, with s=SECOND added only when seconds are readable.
h=9 m=13
